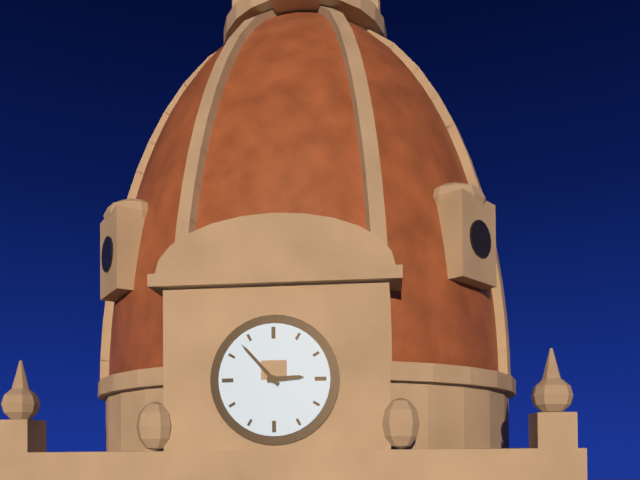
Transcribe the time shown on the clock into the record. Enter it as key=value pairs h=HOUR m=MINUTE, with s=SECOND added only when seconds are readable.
h=2 m=53
